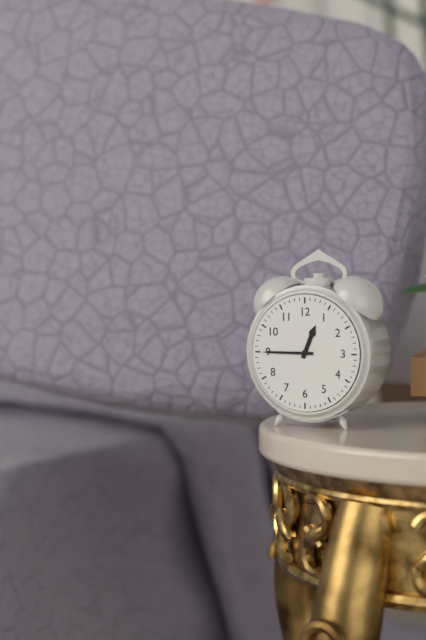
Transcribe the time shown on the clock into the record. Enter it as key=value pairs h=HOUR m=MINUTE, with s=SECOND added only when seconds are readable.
h=12 m=45
